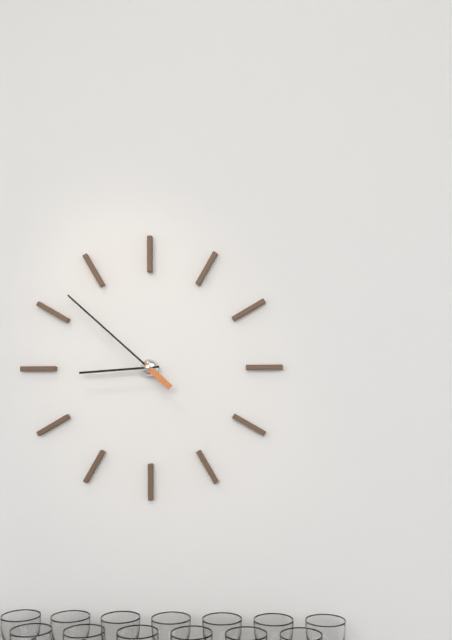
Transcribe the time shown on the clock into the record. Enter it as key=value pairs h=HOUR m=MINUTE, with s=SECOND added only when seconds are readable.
h=8 m=52
